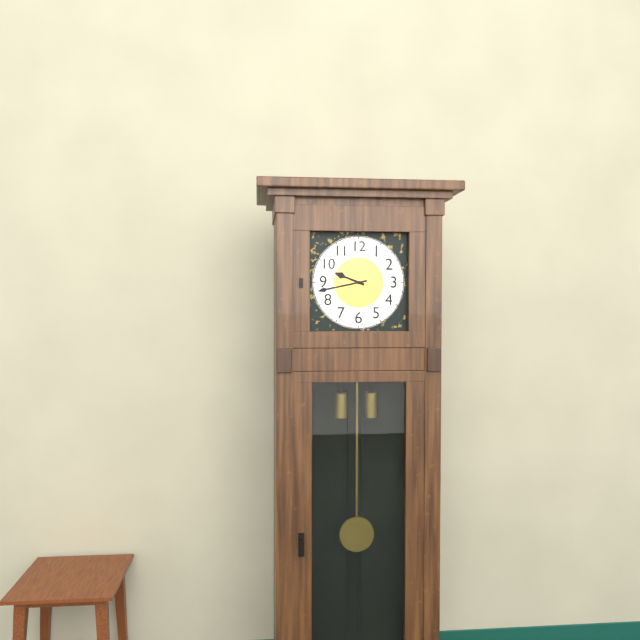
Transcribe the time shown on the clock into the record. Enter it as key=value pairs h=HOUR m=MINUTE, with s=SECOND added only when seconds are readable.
h=9 m=43
